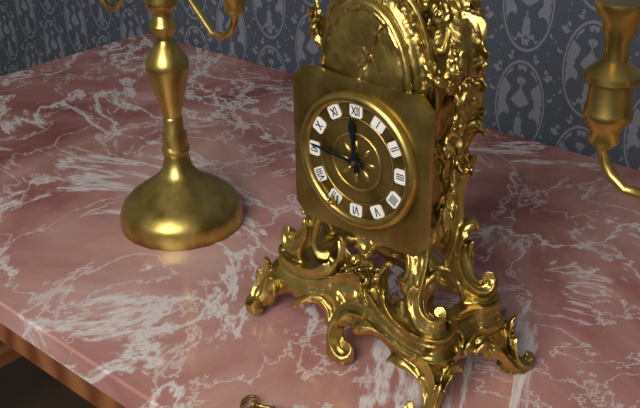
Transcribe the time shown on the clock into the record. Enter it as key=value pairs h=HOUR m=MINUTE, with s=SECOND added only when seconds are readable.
h=11 m=46
